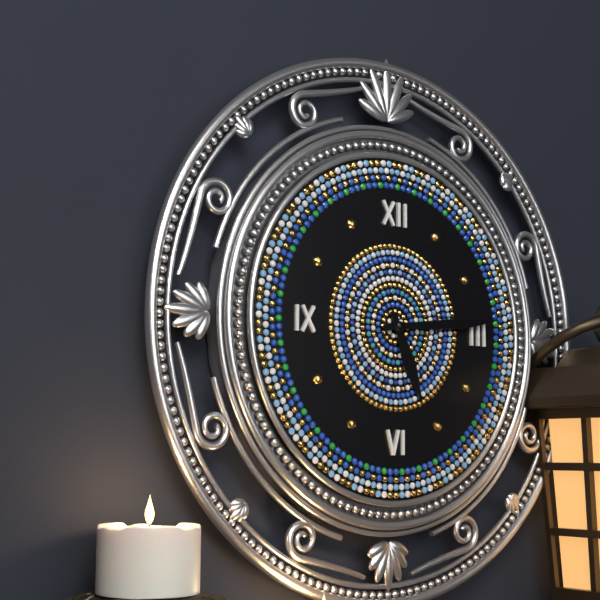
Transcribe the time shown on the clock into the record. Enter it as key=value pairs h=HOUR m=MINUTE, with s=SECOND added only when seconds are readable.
h=5 m=14
